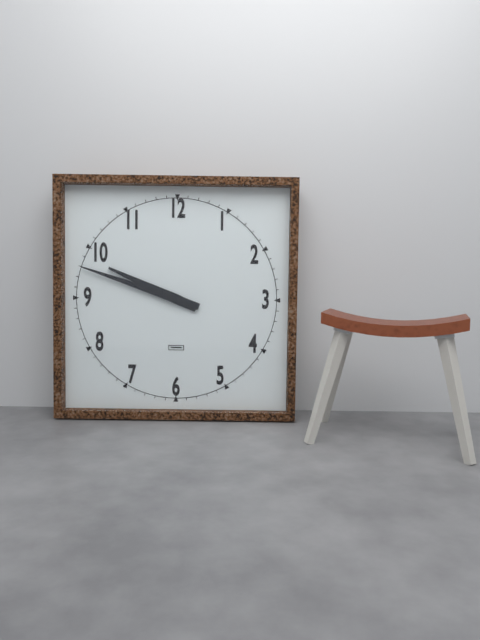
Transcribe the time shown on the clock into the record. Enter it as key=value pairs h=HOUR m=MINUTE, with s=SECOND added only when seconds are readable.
h=9 m=48
